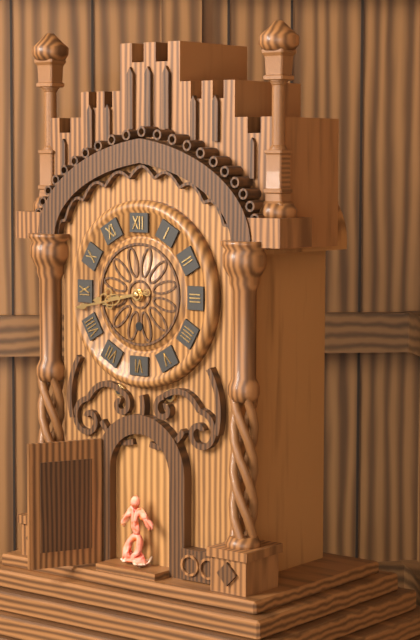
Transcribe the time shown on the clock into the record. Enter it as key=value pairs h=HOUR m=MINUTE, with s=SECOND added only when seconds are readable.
h=8 m=43
